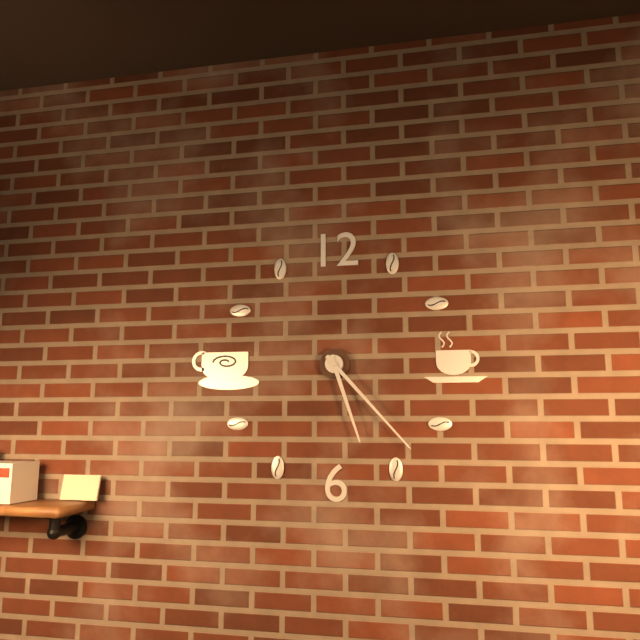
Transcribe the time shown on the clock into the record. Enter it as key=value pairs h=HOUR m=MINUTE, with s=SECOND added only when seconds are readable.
h=5 m=23
